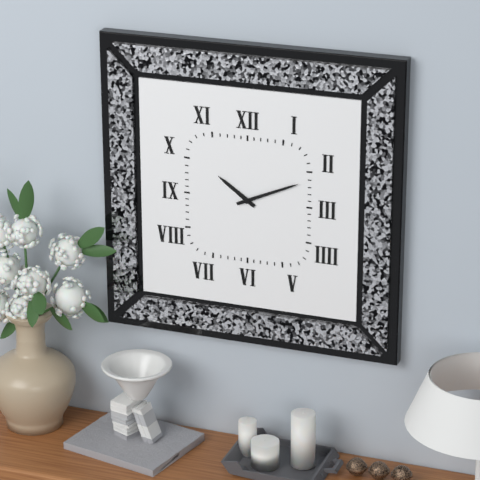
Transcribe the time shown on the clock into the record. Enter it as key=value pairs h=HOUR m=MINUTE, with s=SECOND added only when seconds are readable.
h=10 m=11
